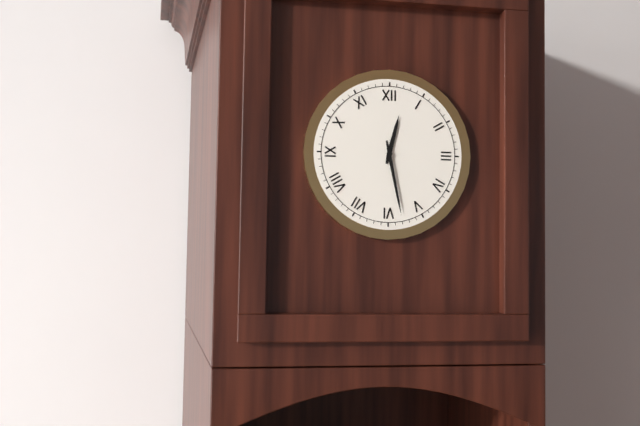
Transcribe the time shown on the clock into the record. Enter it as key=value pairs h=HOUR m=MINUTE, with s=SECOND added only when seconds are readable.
h=12 m=28
